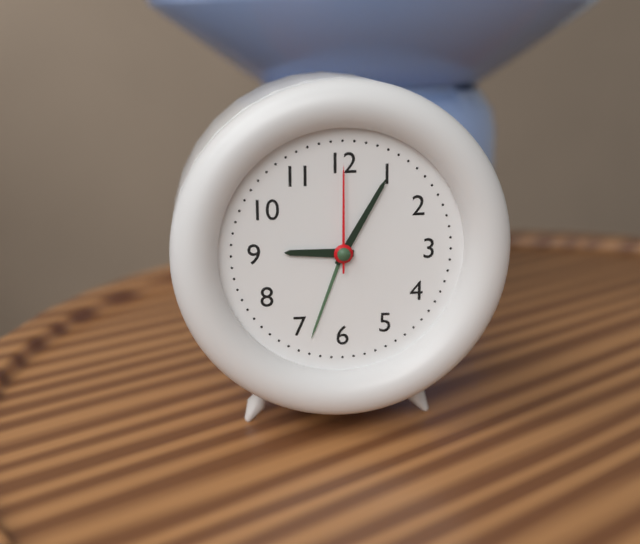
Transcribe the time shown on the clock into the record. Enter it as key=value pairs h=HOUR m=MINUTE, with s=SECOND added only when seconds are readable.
h=9 m=5 s=0
